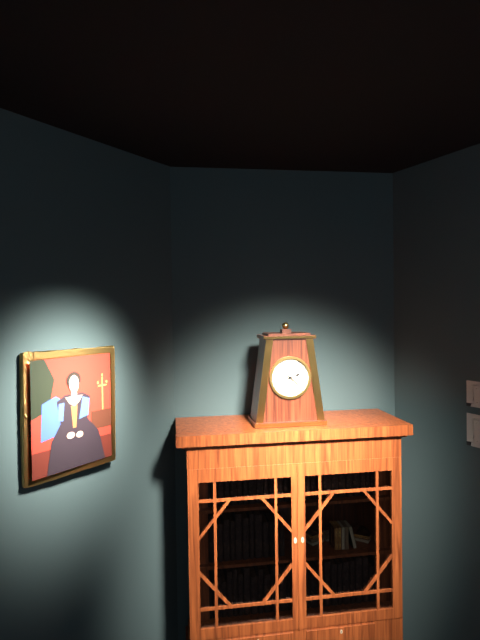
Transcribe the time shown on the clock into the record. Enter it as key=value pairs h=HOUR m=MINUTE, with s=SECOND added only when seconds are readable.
h=2 m=22
